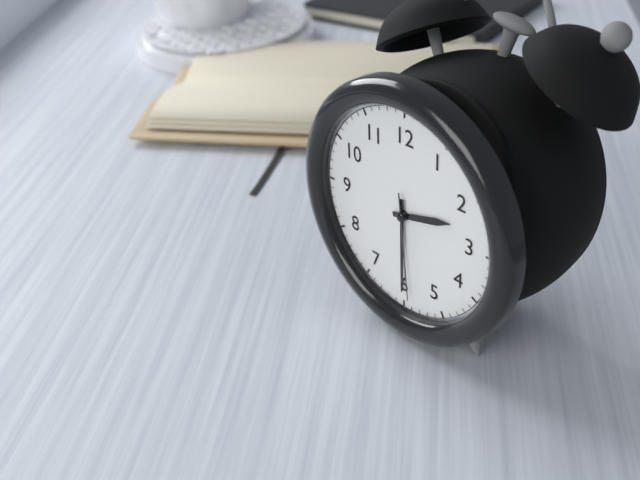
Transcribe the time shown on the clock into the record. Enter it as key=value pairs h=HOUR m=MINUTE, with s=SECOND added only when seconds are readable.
h=2 m=30 s=29
